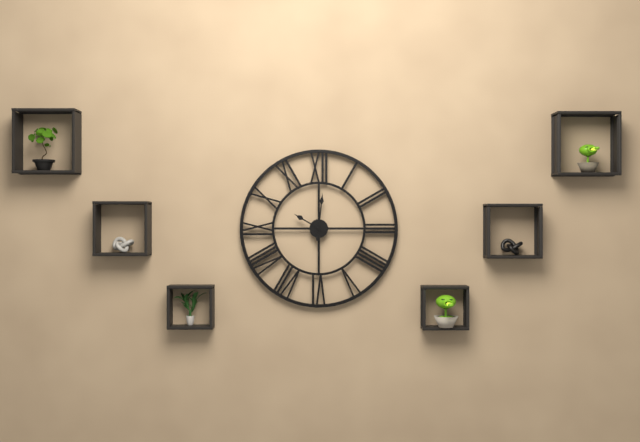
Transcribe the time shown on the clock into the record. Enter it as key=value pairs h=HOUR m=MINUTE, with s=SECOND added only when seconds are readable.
h=10 m=1
